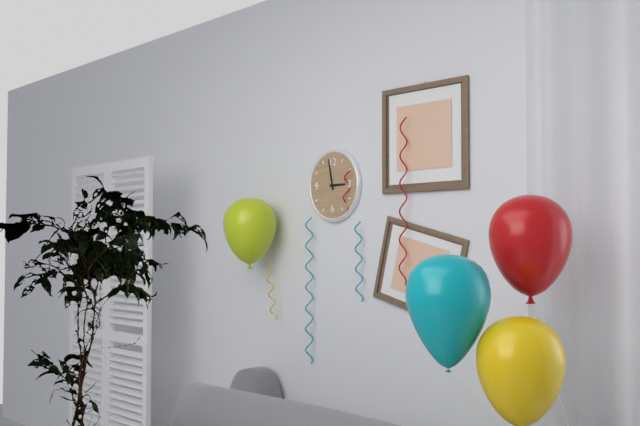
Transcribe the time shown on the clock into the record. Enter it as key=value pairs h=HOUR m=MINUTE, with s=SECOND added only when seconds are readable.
h=2 m=58
